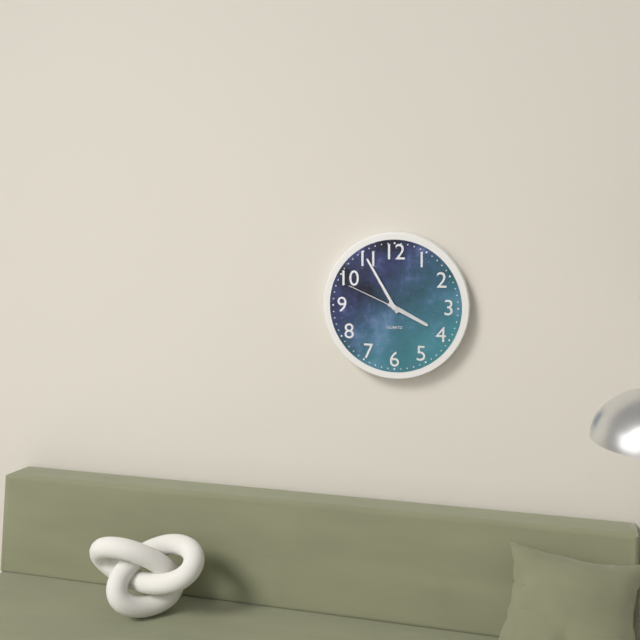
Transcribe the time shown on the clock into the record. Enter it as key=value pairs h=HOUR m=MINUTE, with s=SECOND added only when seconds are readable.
h=3 m=55 s=49
